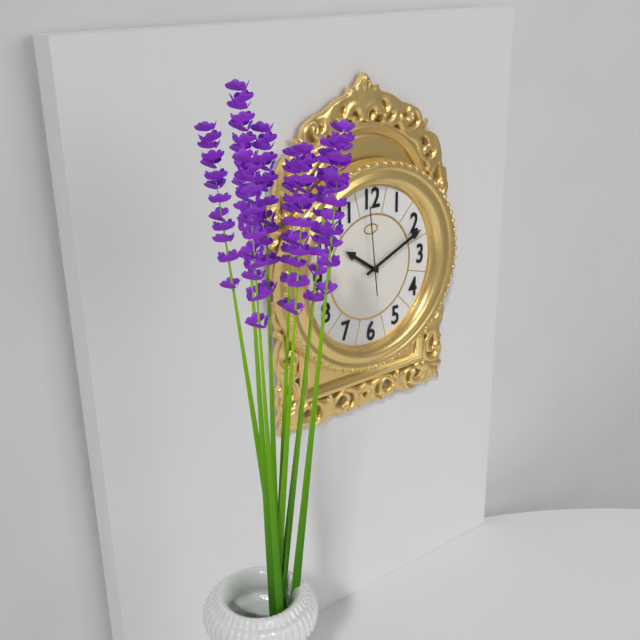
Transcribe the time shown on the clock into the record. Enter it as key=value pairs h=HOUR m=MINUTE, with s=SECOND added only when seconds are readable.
h=10 m=11 s=59
